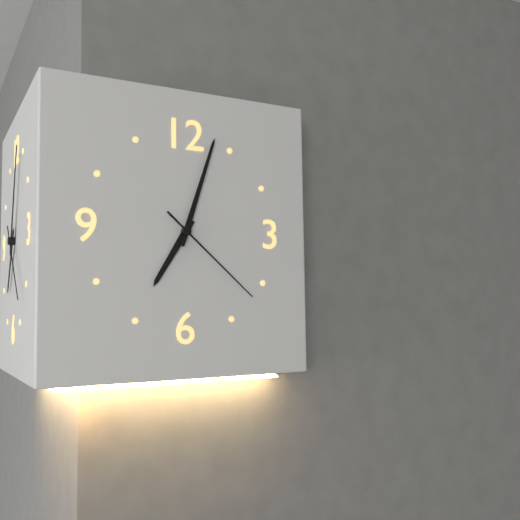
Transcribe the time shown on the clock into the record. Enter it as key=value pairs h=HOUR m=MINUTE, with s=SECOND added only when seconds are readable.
h=7 m=3 s=22
